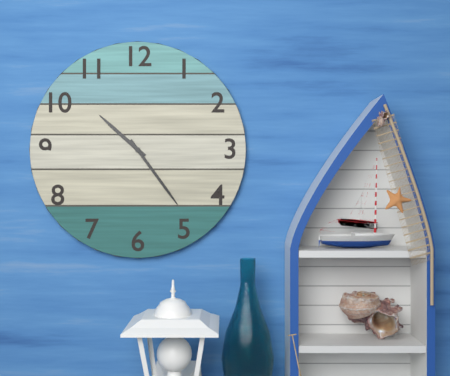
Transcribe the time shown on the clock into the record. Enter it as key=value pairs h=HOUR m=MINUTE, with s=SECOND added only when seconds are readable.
h=10 m=24
